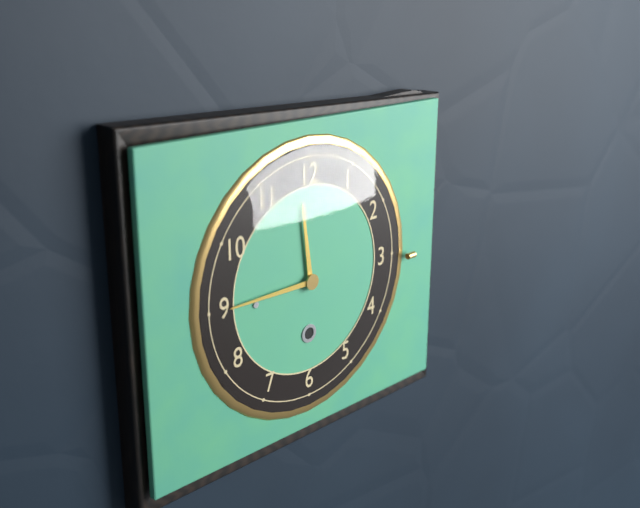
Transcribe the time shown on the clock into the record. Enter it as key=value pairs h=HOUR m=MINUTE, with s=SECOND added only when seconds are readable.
h=11 m=45
